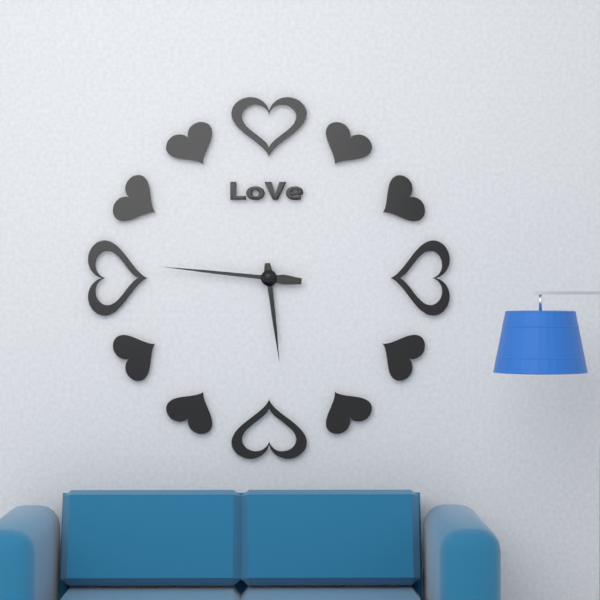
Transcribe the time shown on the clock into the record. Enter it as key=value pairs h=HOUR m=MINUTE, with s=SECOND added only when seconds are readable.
h=5 m=46
